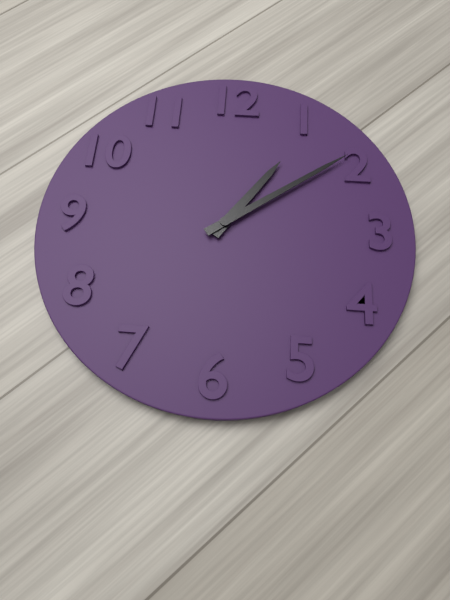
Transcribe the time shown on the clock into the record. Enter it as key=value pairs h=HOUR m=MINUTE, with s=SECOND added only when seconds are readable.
h=1 m=9
